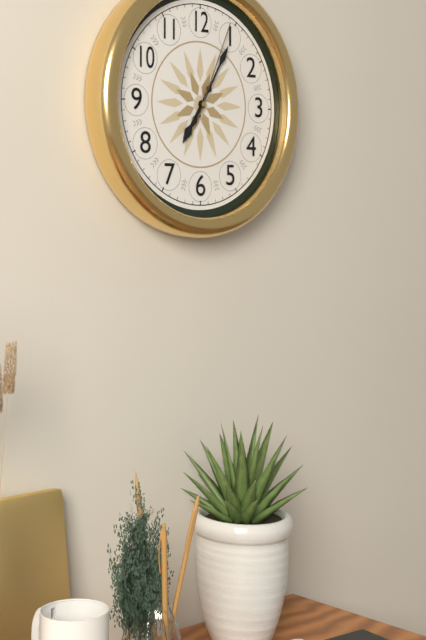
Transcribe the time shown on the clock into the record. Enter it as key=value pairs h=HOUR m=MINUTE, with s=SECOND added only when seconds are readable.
h=7 m=5 s=4
